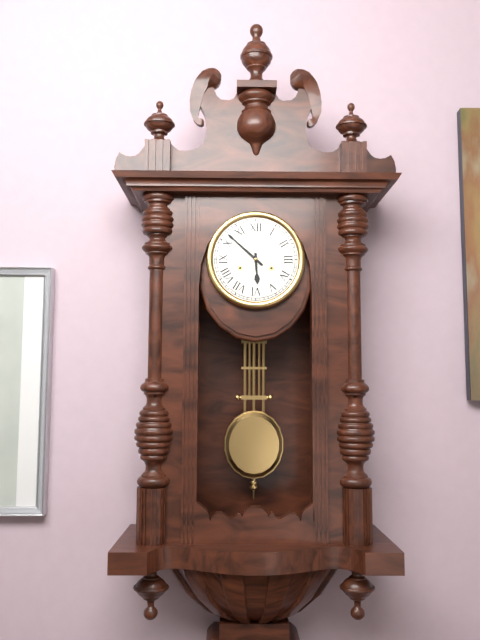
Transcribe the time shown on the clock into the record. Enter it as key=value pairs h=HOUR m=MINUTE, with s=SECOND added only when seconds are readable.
h=5 m=52
